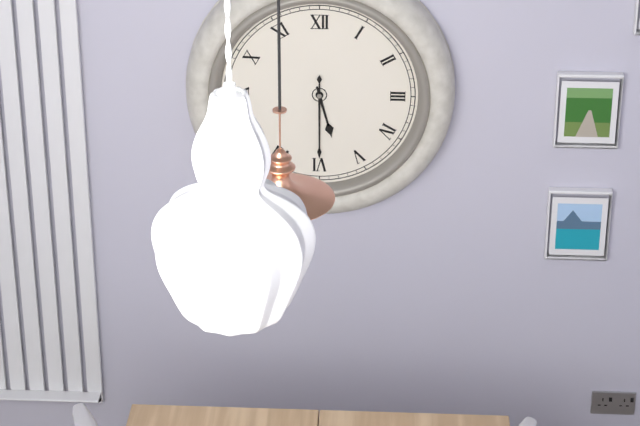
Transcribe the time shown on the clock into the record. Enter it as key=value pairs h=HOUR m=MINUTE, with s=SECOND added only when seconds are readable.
h=5 m=30
